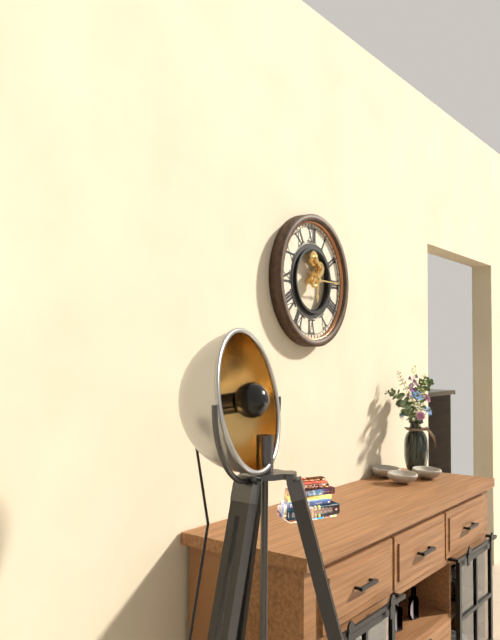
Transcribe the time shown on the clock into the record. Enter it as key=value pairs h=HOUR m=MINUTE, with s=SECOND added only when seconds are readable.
h=6 m=15
